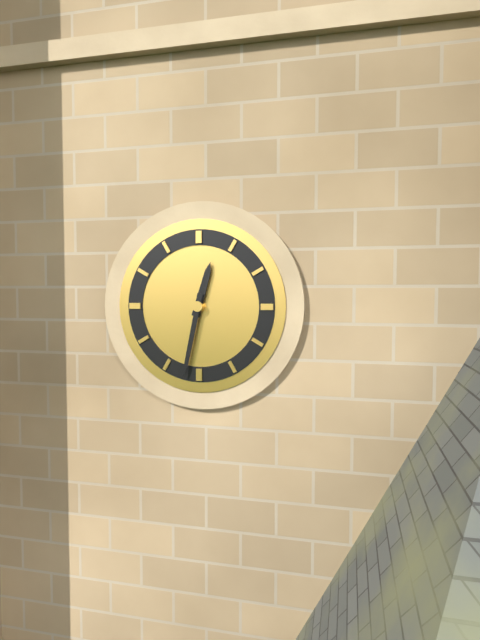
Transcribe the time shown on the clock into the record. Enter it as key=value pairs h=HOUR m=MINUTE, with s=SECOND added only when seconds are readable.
h=12 m=32
